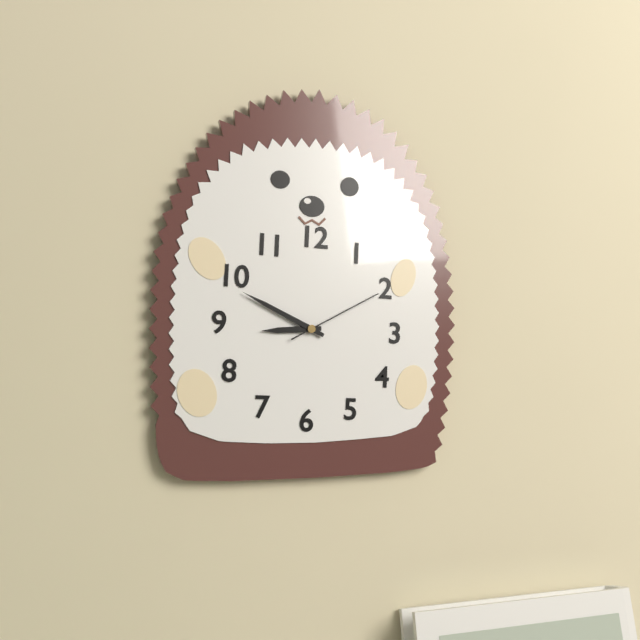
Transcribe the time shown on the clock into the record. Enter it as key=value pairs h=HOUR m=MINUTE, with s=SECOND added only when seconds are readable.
h=8 m=49 s=10
